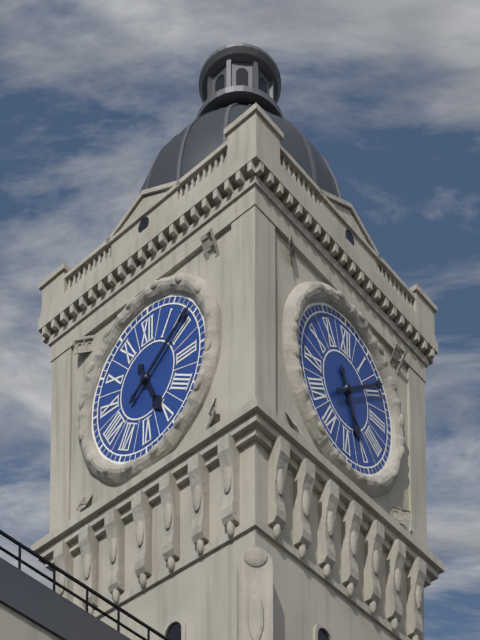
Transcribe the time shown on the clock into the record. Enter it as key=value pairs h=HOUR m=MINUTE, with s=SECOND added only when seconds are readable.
h=5 m=9
